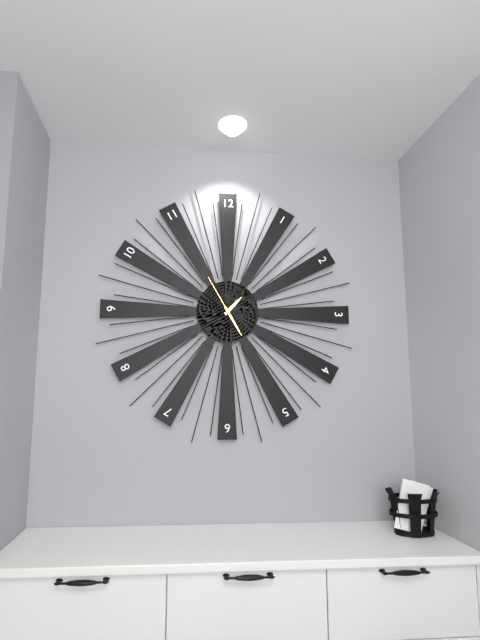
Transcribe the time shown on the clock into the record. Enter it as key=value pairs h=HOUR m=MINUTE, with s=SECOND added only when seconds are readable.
h=1 m=25
